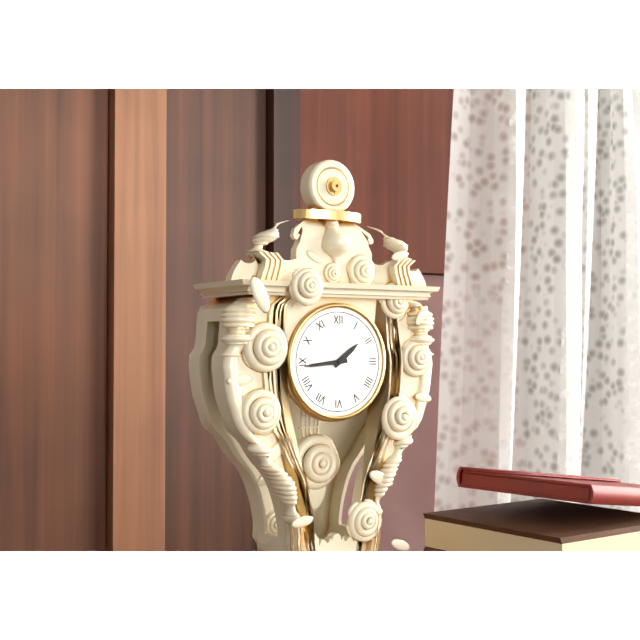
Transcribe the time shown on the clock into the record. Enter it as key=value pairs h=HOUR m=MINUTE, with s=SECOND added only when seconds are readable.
h=1 m=44
